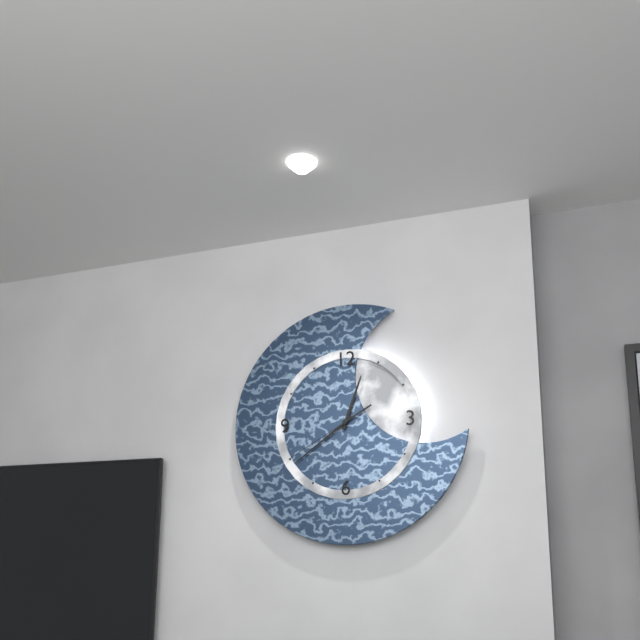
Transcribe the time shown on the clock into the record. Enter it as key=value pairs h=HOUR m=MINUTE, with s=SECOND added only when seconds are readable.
h=12 m=39 s=40
